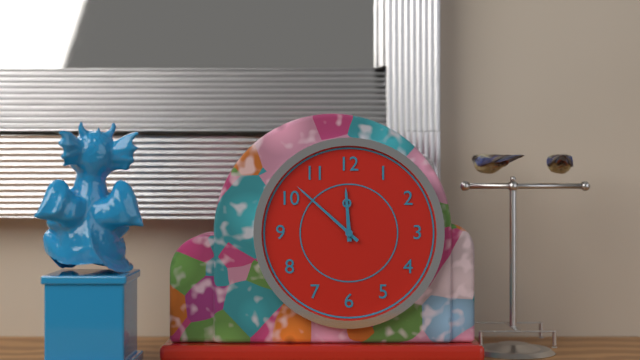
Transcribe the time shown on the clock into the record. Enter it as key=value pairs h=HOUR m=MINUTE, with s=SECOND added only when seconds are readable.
h=11 m=52
